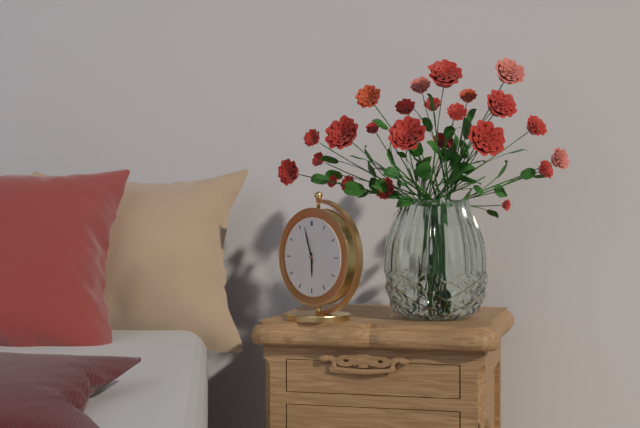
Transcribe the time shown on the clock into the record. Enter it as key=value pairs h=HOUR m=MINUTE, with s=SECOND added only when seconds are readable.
h=5 m=57
